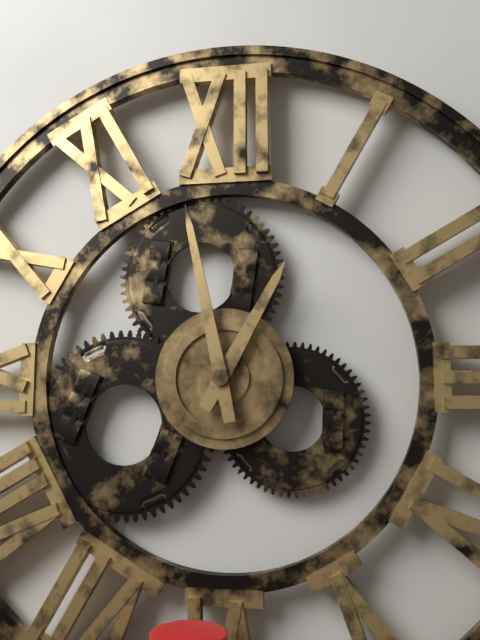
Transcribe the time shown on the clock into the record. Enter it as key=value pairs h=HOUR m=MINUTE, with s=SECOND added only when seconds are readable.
h=12 m=58
